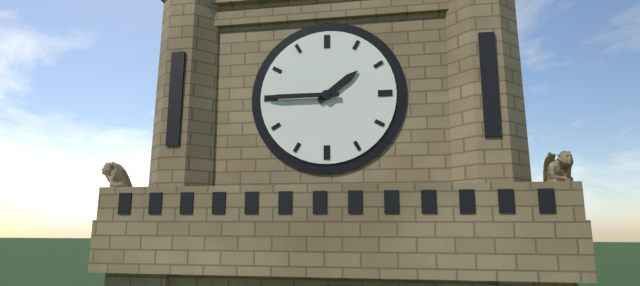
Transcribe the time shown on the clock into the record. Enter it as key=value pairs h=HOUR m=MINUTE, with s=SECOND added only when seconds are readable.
h=1 m=45
